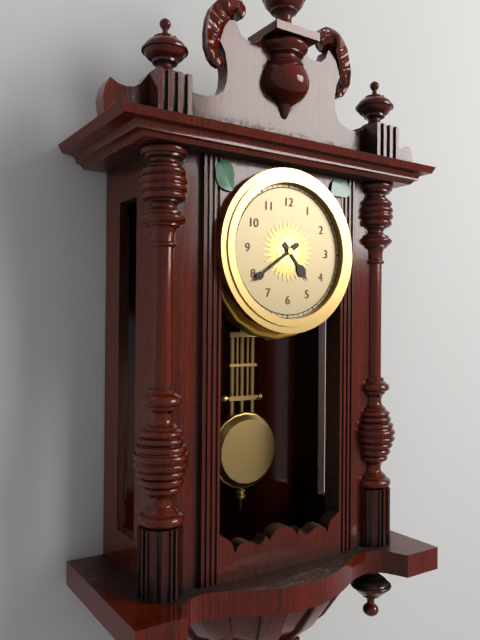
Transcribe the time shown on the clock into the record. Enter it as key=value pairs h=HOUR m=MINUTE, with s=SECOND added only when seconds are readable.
h=4 m=39
